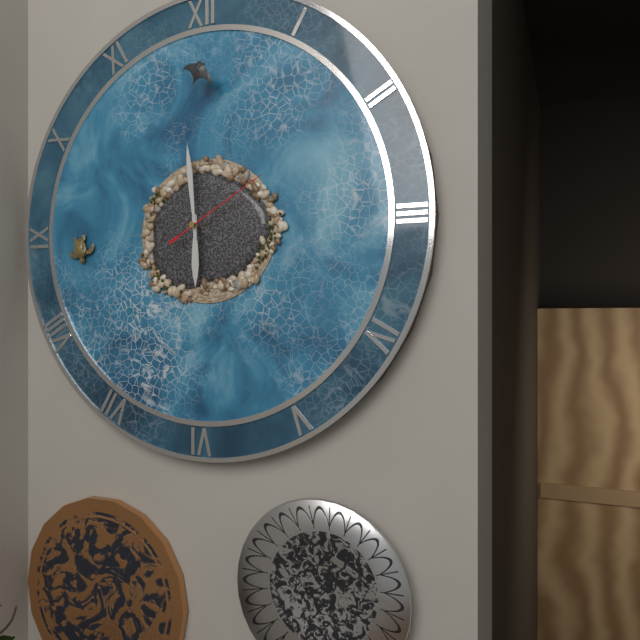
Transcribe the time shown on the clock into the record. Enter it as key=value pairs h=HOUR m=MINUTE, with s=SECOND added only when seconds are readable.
h=5 m=59 s=10
